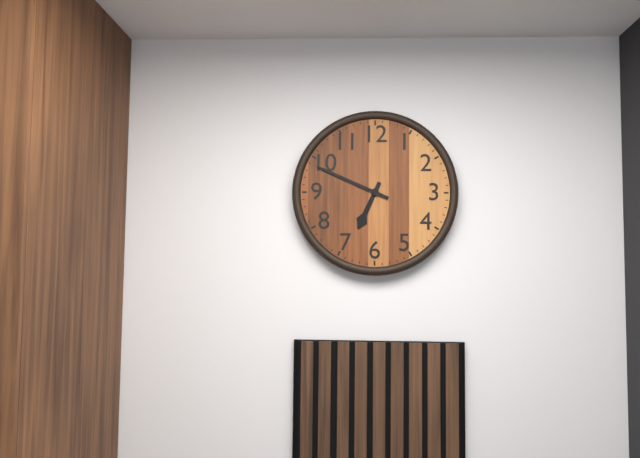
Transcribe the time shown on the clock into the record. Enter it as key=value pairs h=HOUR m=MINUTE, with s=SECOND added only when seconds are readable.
h=6 m=49
